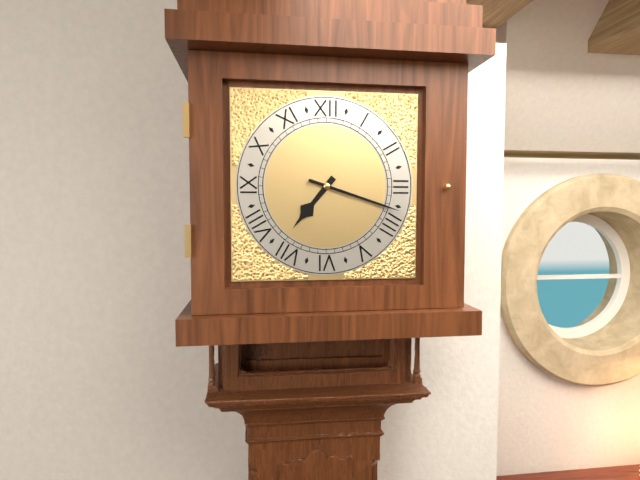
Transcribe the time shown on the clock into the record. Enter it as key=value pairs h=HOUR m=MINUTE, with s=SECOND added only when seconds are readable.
h=7 m=18
